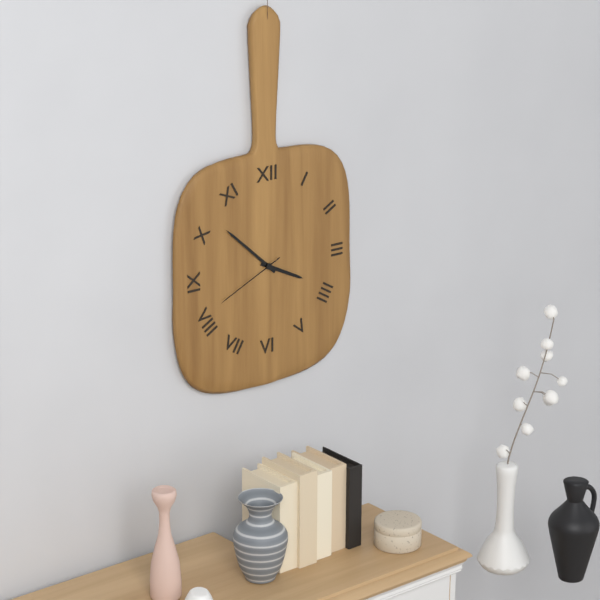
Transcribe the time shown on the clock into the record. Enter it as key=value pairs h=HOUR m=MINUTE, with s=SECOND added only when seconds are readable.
h=3 m=52 s=41
